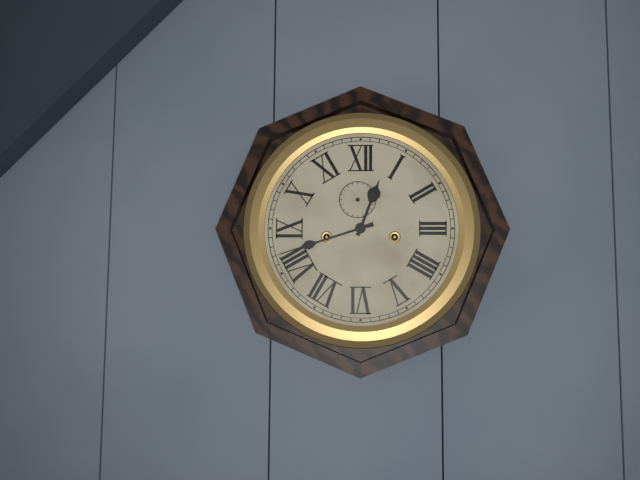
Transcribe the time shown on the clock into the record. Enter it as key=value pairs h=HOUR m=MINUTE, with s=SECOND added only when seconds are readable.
h=12 m=42
